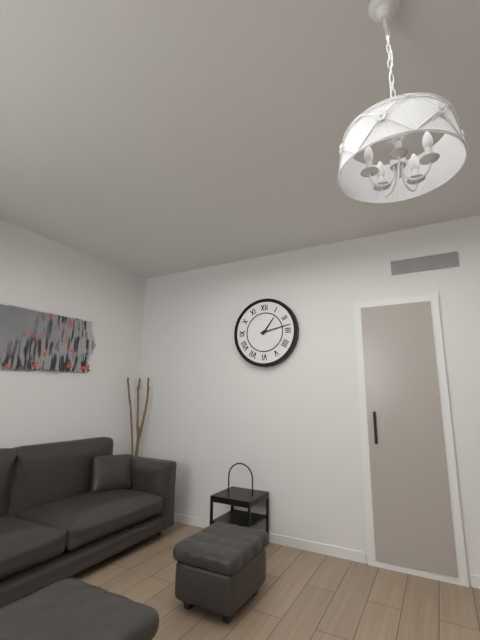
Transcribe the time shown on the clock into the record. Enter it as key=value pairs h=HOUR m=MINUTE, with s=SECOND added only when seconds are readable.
h=1 m=13
